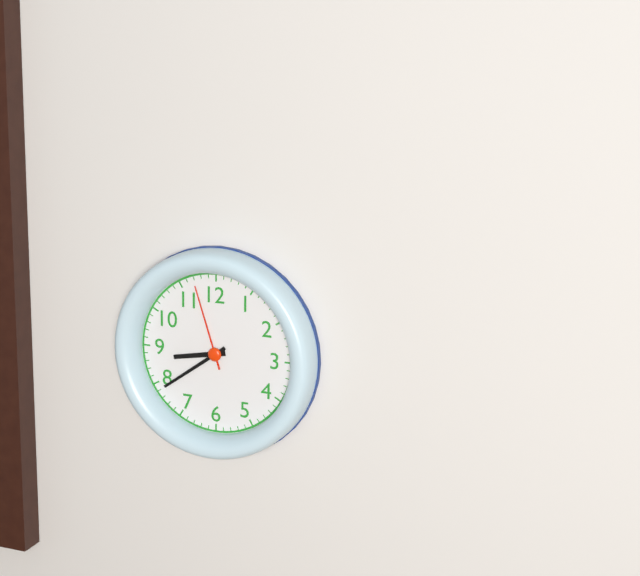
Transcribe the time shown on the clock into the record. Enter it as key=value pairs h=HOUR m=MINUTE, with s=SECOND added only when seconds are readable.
h=8 m=39 s=57
